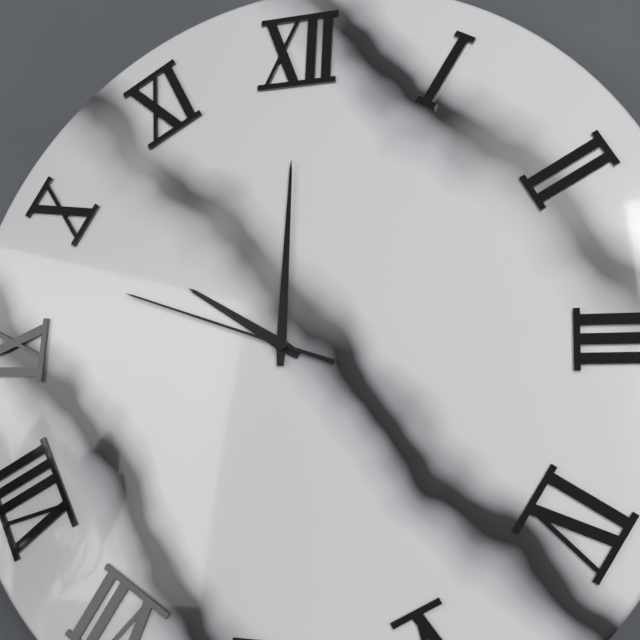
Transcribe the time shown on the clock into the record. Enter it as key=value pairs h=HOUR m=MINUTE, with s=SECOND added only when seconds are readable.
h=10 m=0 s=48
